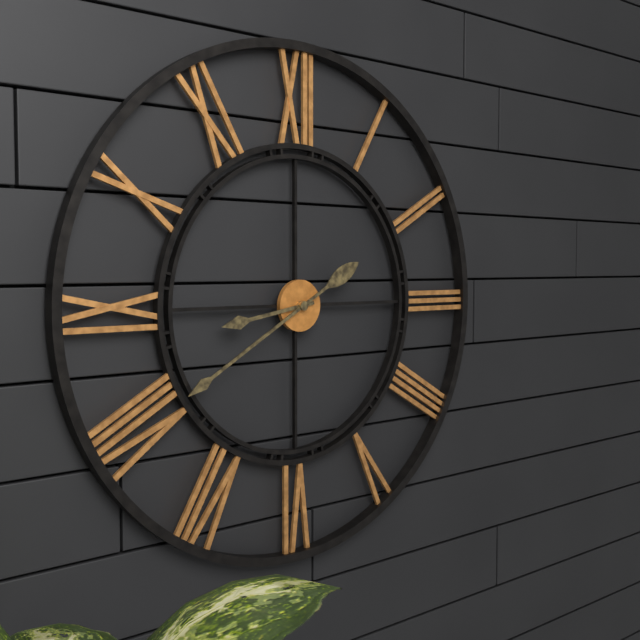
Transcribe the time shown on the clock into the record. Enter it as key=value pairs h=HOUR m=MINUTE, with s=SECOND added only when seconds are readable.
h=8 m=40
